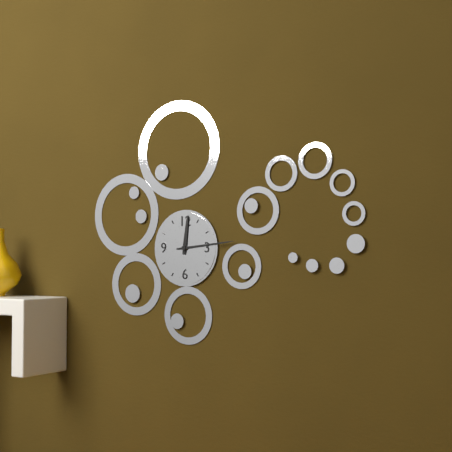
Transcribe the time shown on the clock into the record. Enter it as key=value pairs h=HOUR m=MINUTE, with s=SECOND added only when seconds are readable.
h=12 m=14
